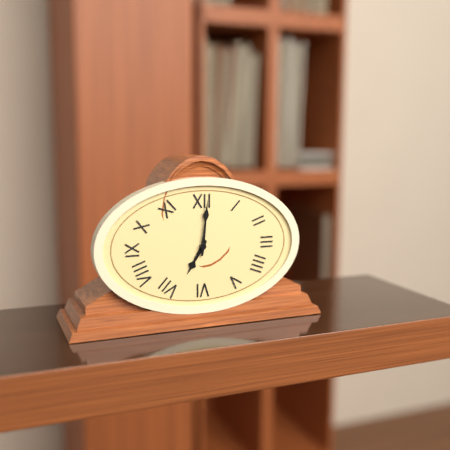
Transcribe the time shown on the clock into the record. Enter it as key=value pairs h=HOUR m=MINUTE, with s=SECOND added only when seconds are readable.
h=7 m=1
